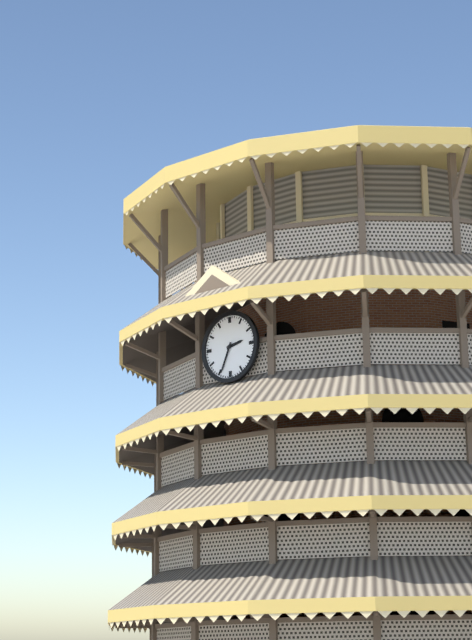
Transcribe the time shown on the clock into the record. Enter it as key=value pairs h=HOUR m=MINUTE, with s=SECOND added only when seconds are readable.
h=2 m=34
